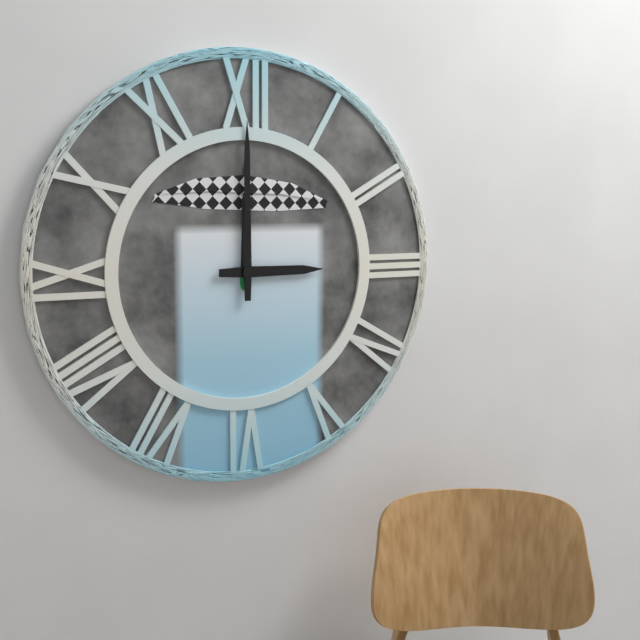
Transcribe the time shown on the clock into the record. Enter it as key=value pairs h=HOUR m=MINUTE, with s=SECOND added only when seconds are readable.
h=3 m=0
